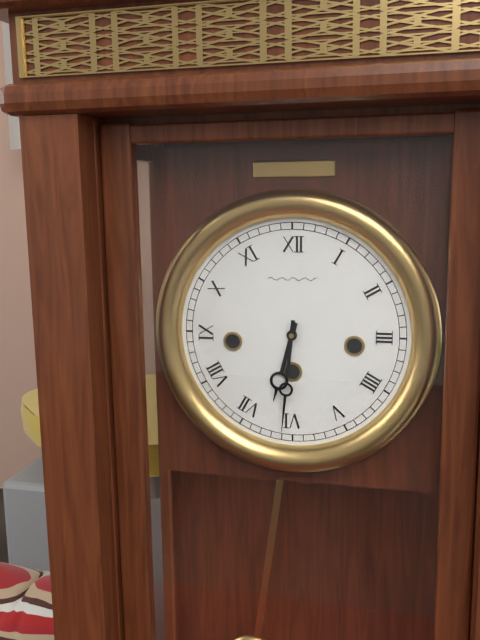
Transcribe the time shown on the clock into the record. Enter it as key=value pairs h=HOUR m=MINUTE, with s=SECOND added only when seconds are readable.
h=6 m=31
